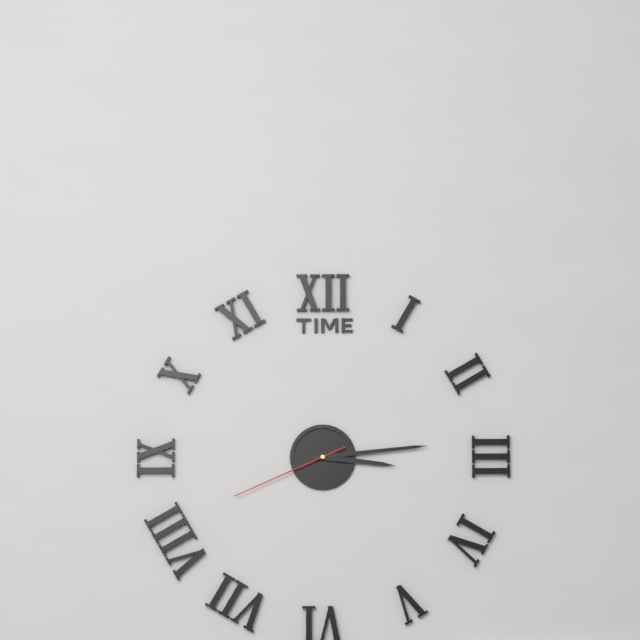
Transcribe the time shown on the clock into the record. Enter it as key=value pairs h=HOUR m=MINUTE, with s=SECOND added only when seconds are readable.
h=3 m=14 s=41
